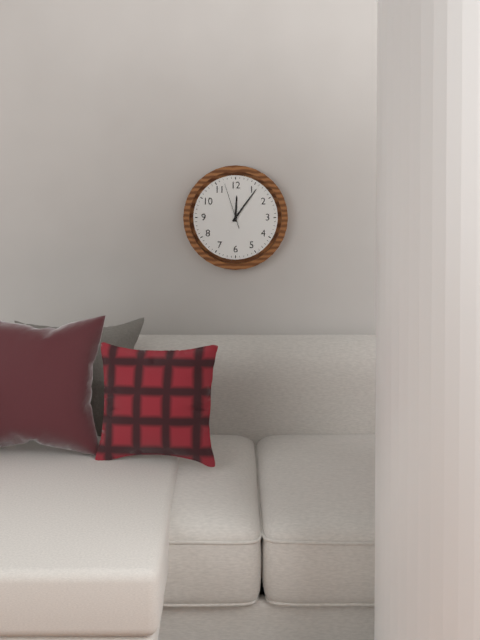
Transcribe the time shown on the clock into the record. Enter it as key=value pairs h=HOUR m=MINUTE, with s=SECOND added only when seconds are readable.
h=12 m=6
